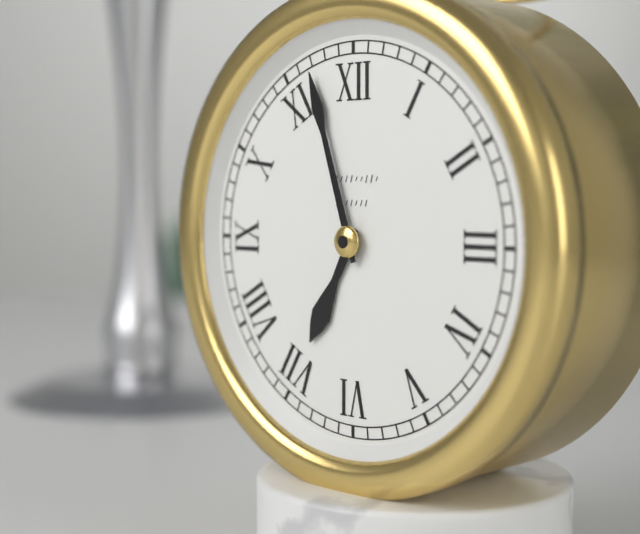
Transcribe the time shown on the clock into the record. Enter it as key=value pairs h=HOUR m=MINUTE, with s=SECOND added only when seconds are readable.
h=6 m=57
